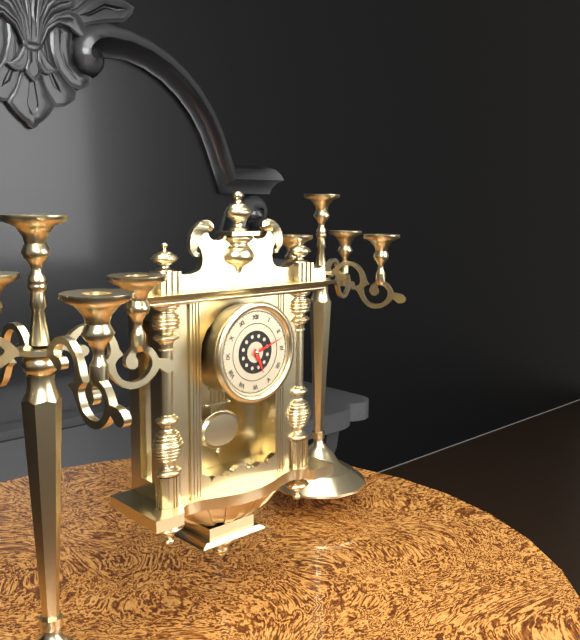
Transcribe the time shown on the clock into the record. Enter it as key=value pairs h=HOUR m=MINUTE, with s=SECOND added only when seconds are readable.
h=5 m=12
